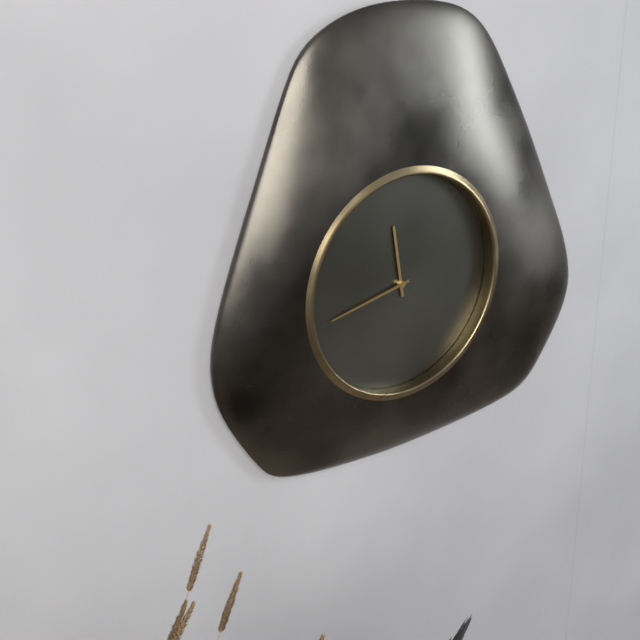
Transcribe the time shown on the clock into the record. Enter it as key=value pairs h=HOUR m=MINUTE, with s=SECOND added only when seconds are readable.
h=11 m=43
